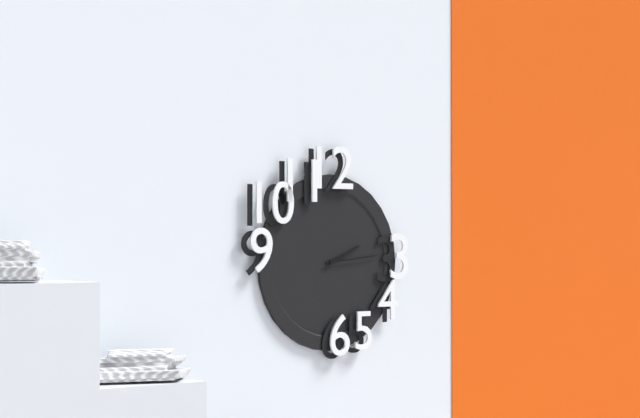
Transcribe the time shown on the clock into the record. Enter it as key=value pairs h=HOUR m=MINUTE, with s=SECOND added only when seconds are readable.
h=2 m=14
